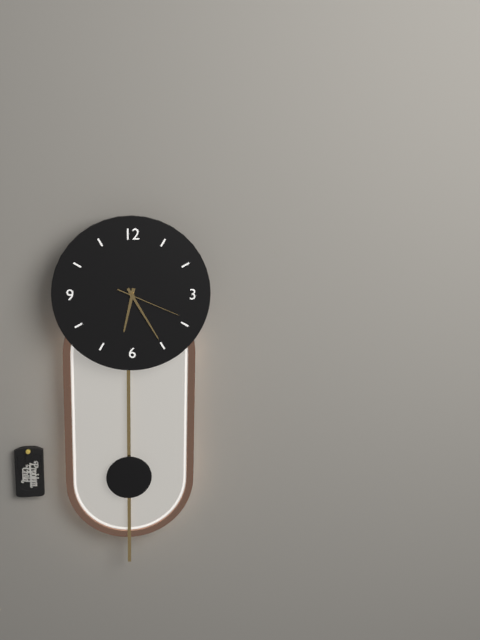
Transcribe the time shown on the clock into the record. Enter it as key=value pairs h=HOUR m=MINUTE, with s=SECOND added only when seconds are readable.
h=6 m=25 s=19
